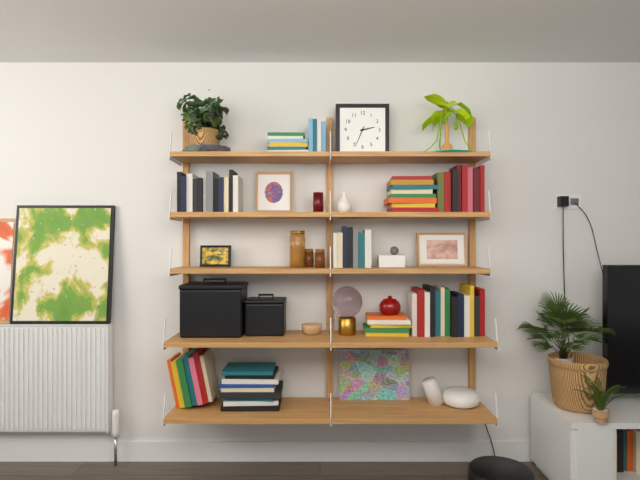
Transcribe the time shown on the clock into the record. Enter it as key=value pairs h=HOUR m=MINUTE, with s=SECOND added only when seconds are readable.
h=2 m=34
